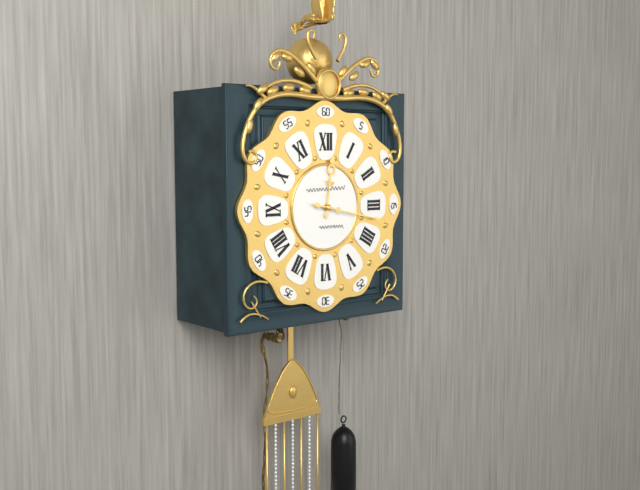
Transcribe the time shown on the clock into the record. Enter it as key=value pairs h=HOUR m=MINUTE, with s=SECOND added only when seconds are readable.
h=12 m=17
